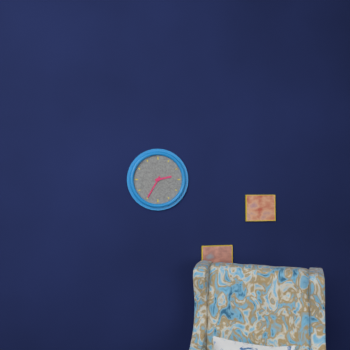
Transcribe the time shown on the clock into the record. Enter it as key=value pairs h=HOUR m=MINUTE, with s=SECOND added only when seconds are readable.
h=2 m=35
